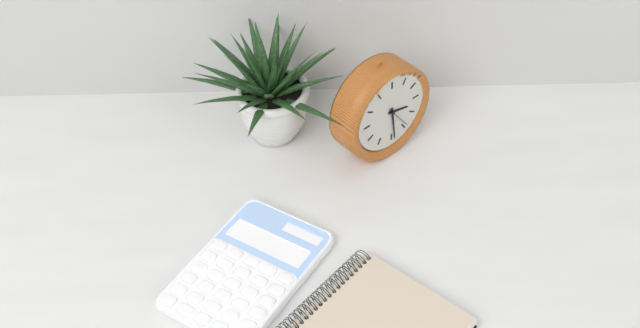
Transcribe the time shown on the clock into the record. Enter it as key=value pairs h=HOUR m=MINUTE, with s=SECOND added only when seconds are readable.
h=3 m=29
